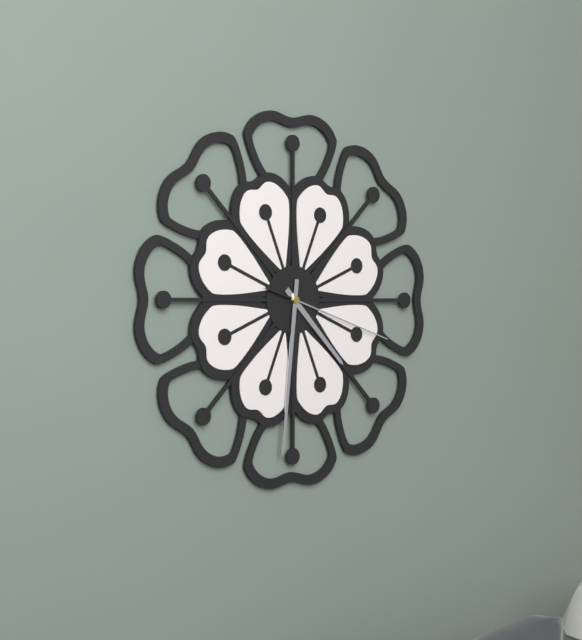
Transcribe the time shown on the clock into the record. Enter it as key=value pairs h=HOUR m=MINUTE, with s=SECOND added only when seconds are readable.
h=4 m=31 s=18
